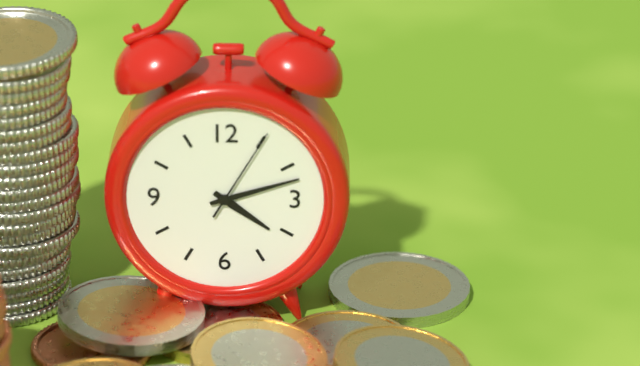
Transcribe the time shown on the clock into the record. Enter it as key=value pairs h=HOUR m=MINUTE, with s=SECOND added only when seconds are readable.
h=4 m=12 s=5
